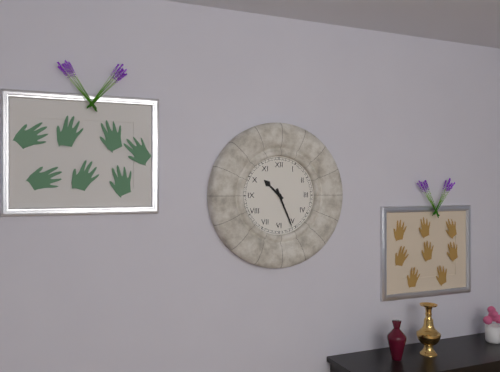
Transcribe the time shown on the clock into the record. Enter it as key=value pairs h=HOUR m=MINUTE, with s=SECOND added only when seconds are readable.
h=10 m=26
